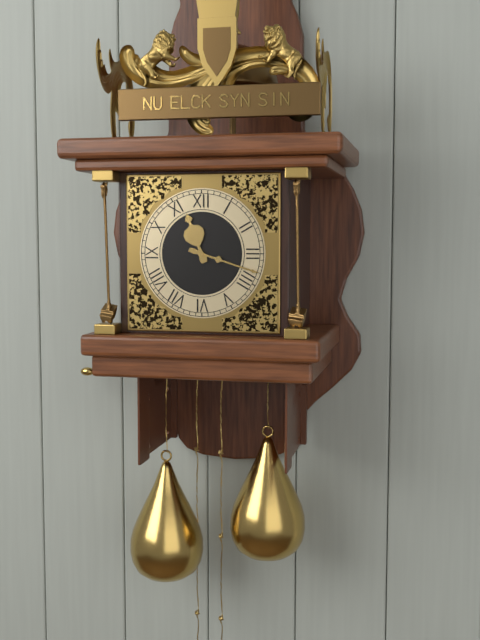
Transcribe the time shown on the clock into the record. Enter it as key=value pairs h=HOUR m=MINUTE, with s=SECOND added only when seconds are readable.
h=11 m=18
